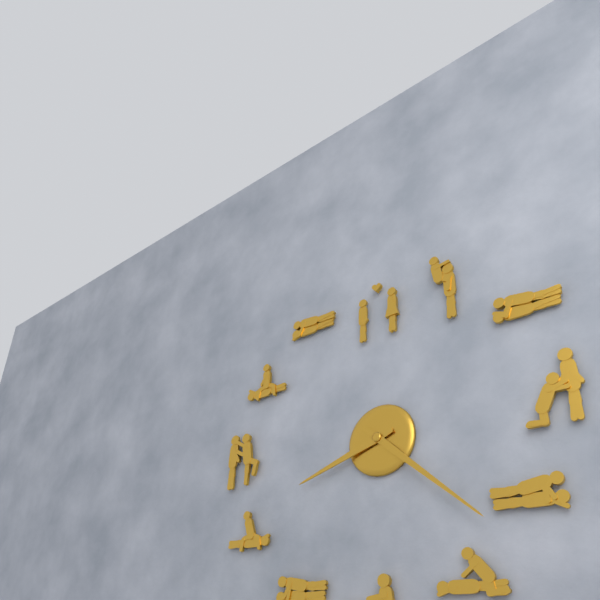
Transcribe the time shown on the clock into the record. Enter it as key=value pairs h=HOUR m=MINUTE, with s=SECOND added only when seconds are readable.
h=8 m=22
